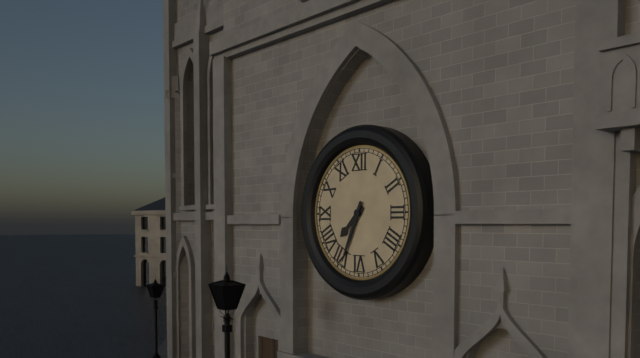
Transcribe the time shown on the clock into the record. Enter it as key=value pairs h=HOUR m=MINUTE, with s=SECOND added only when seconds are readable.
h=7 m=34
